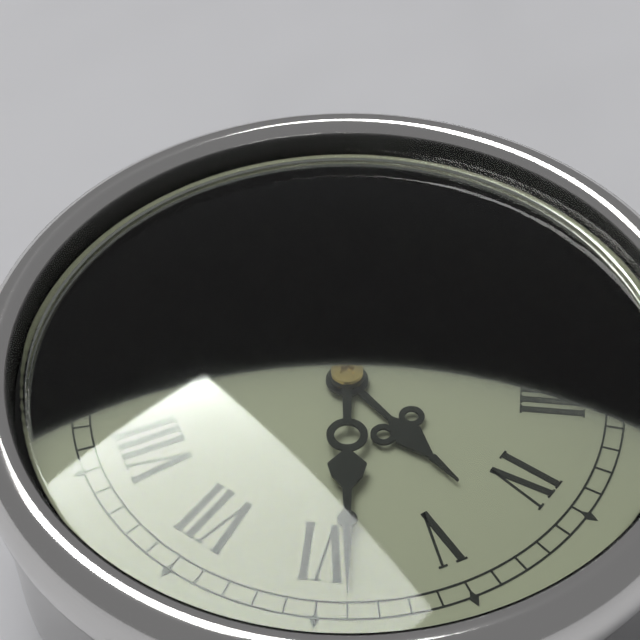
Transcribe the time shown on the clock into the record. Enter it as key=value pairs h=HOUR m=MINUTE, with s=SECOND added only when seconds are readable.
h=4 m=29
